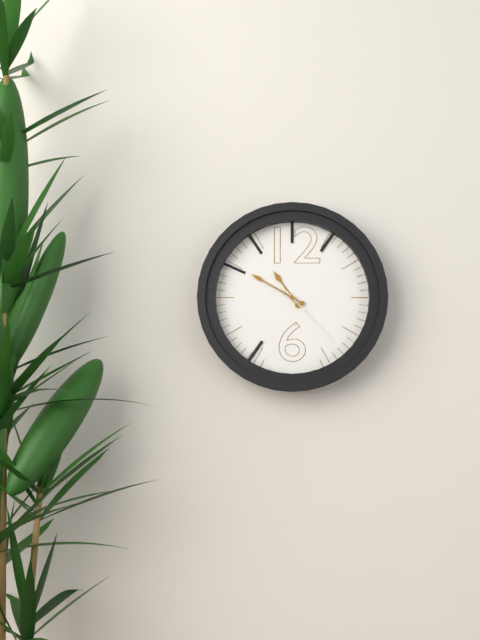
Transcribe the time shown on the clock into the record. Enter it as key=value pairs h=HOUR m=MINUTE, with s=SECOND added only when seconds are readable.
h=10 m=50 s=23
